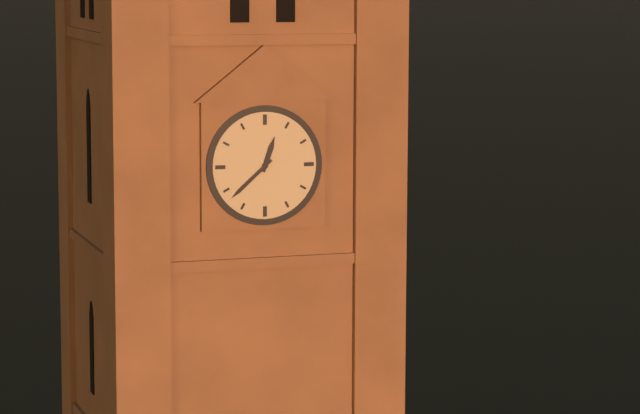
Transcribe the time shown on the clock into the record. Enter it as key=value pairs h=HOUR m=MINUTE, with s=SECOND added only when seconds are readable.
h=12 m=38
